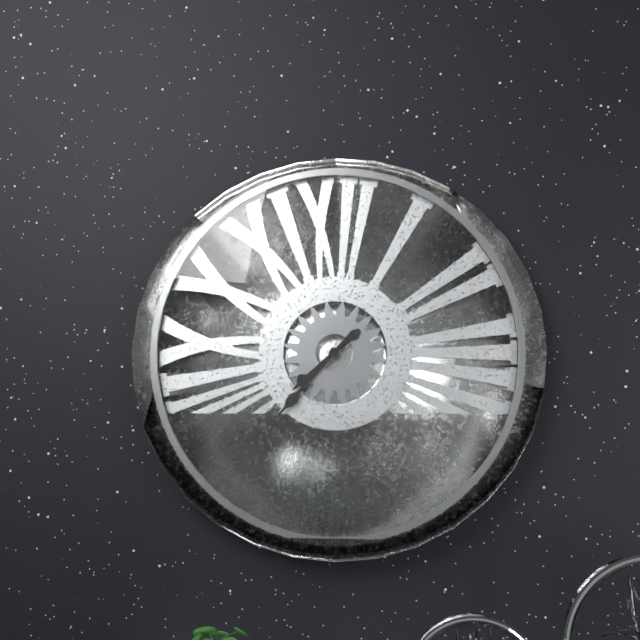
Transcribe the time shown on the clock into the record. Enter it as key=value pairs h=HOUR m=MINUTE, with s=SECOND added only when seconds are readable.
h=7 m=37
